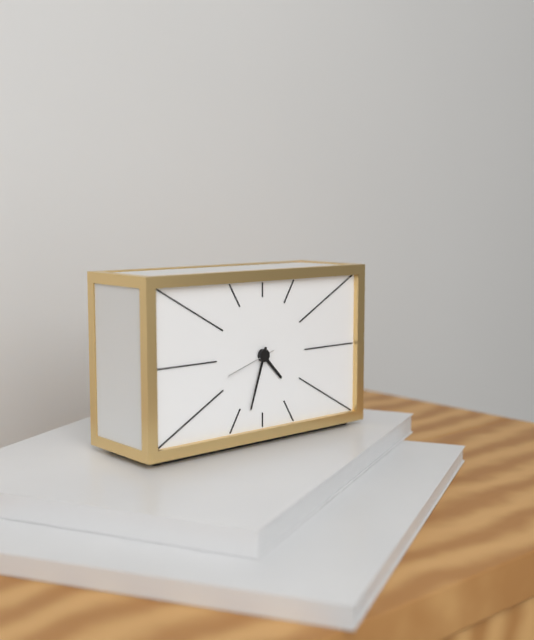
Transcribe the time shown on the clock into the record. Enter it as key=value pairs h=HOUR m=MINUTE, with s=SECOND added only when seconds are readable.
h=4 m=33 s=42
